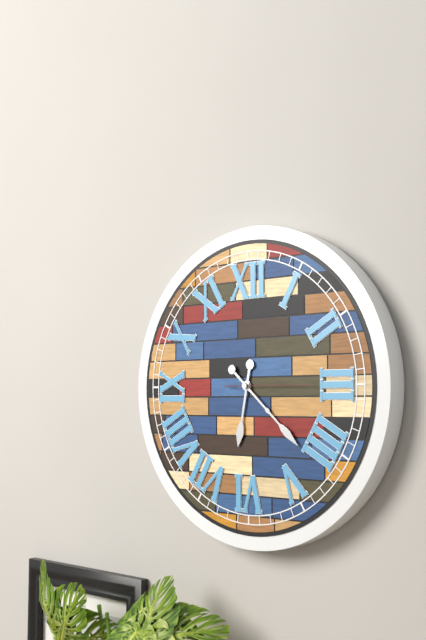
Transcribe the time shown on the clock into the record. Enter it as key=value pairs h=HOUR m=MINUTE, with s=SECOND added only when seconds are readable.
h=6 m=22 s=15
